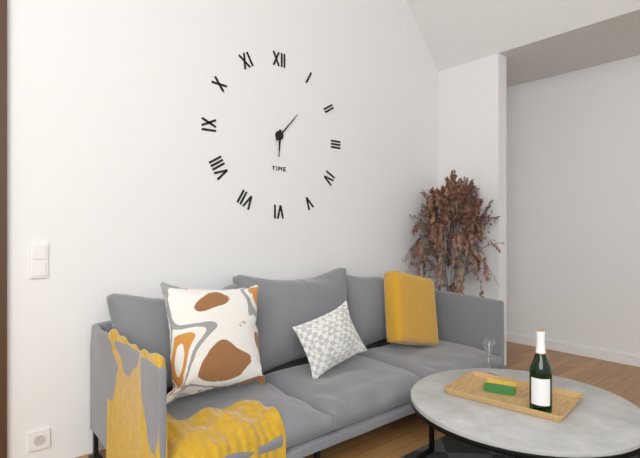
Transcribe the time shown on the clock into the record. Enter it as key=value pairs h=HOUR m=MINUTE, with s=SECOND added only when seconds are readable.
h=6 m=7
